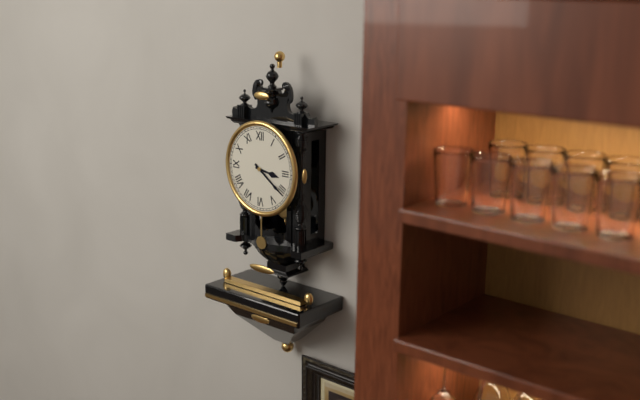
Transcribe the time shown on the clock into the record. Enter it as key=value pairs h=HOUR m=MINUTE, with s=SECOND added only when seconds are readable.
h=3 m=21
